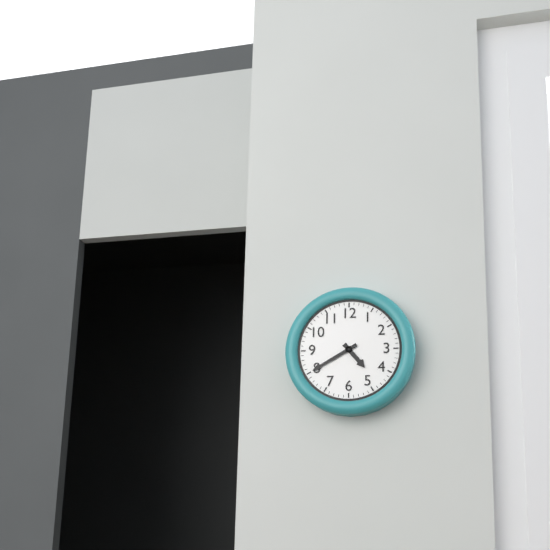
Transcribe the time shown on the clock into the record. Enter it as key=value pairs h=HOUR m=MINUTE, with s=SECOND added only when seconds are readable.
h=4 m=40
